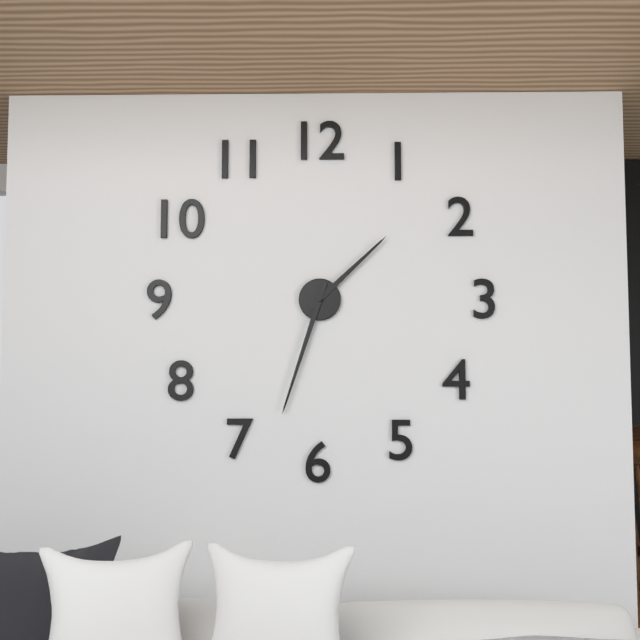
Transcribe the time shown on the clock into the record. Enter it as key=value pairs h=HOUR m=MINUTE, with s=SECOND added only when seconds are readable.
h=1 m=33
